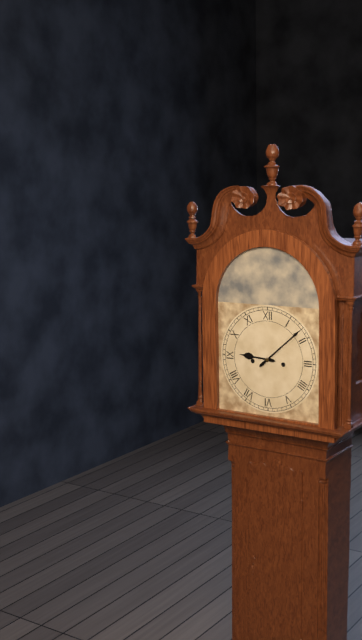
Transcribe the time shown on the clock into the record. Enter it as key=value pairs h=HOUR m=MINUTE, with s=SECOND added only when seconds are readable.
h=9 m=8
